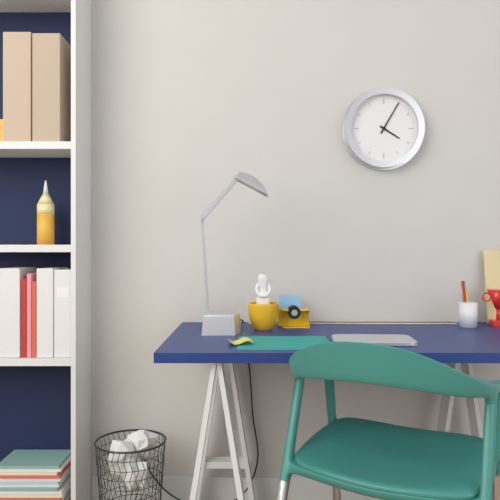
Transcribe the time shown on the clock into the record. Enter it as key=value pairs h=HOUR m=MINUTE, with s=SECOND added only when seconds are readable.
h=4 m=5
